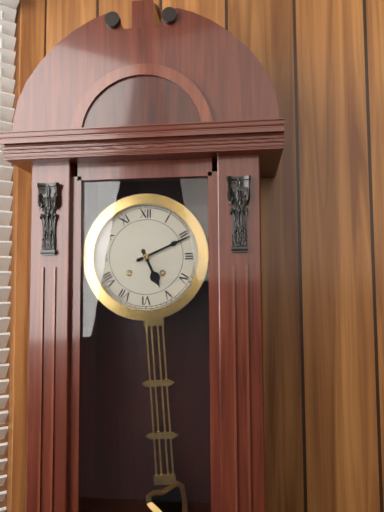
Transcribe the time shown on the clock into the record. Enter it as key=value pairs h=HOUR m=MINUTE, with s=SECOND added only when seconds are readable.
h=5 m=11
